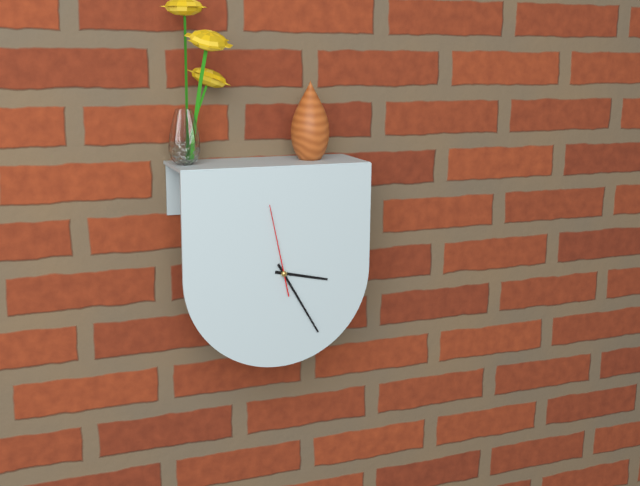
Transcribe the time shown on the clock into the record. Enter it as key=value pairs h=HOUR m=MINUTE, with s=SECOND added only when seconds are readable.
h=3 m=25 s=58
